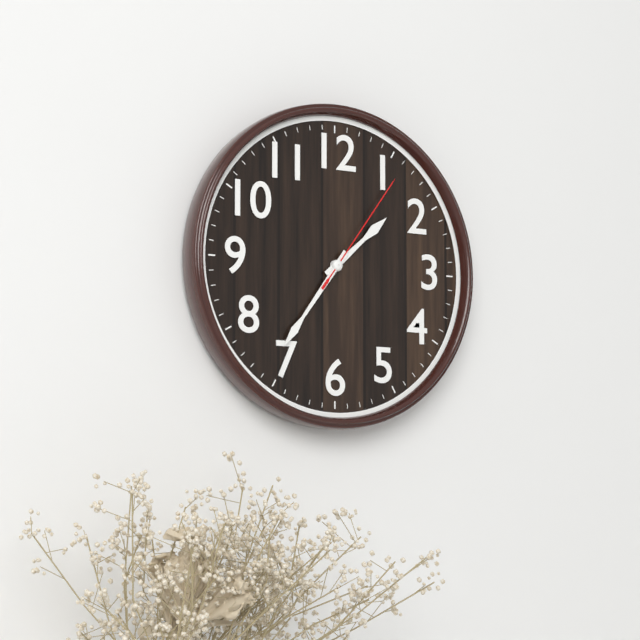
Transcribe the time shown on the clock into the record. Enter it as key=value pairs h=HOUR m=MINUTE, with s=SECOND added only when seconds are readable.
h=1 m=36 s=6
